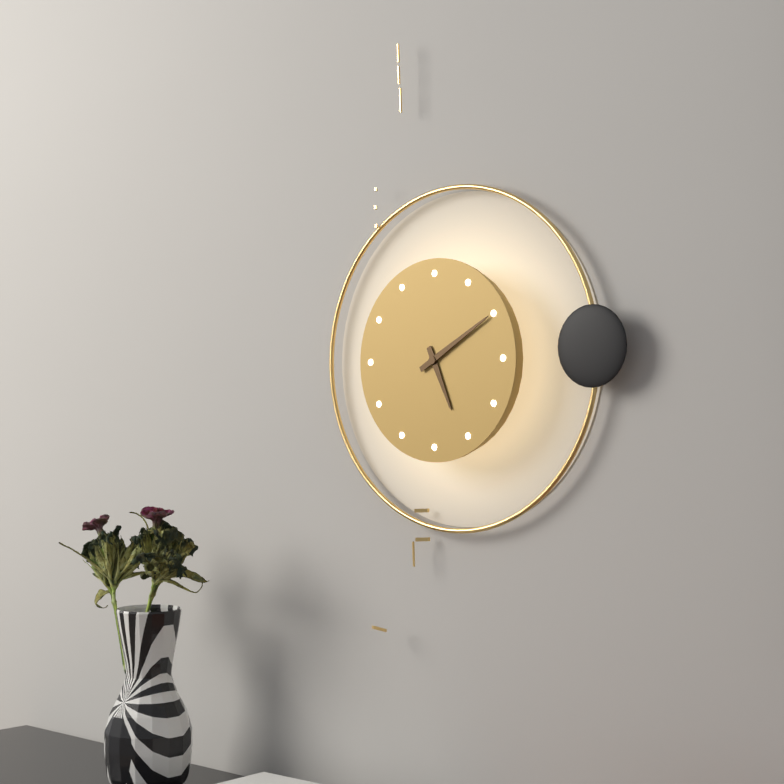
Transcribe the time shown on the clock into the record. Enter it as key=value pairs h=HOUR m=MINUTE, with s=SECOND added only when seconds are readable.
h=5 m=10
